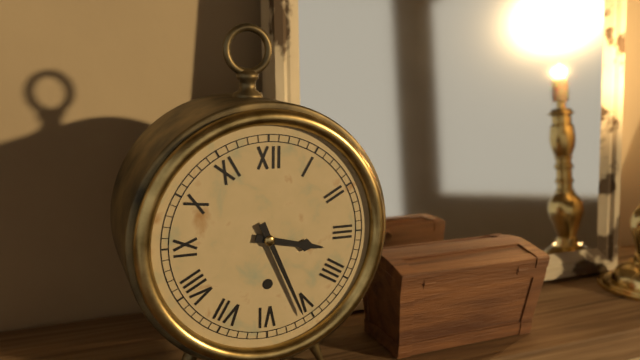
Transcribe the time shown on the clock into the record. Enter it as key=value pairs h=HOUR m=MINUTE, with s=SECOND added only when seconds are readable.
h=3 m=26
